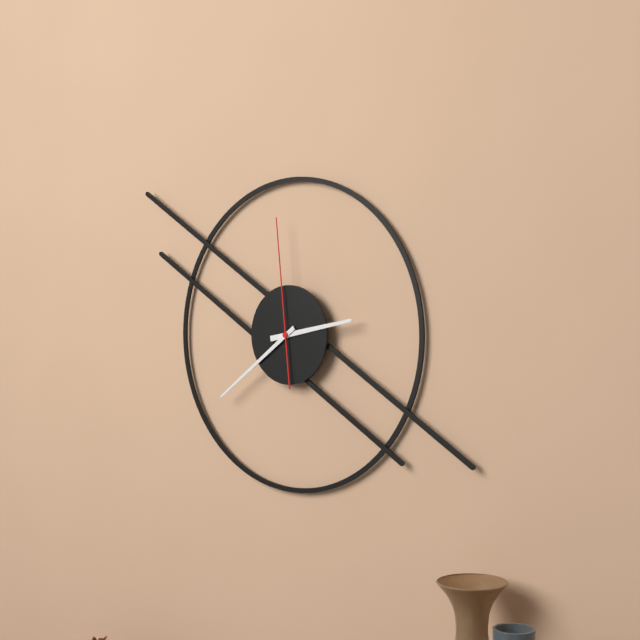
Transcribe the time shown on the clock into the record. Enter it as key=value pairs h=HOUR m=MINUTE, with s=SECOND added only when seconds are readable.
h=2 m=39 s=59
